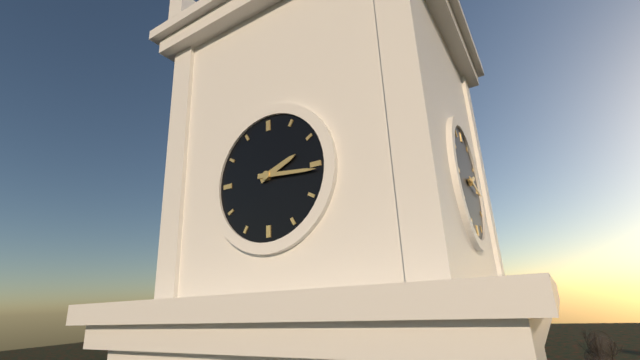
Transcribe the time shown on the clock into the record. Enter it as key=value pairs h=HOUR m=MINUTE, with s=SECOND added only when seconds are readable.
h=2 m=16
